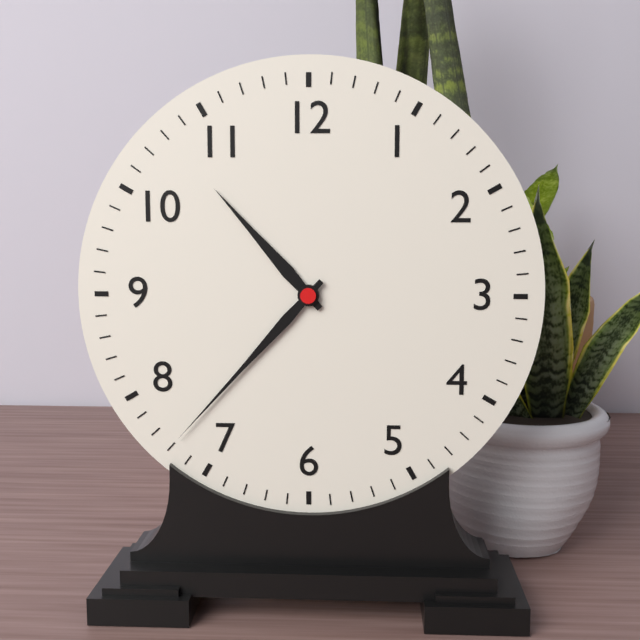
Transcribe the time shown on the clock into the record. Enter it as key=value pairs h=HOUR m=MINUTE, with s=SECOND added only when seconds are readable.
h=10 m=37
